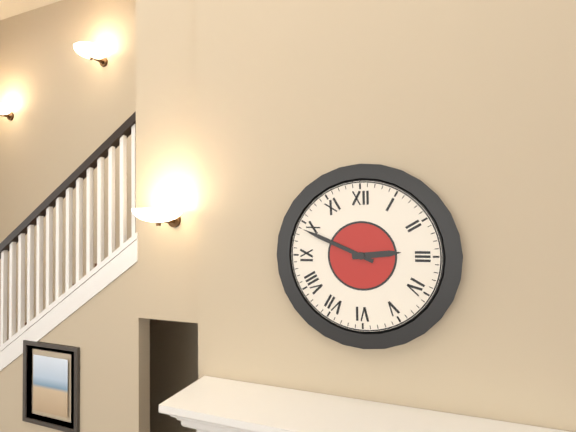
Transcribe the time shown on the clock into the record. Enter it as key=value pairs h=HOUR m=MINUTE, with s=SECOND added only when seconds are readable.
h=2 m=49
